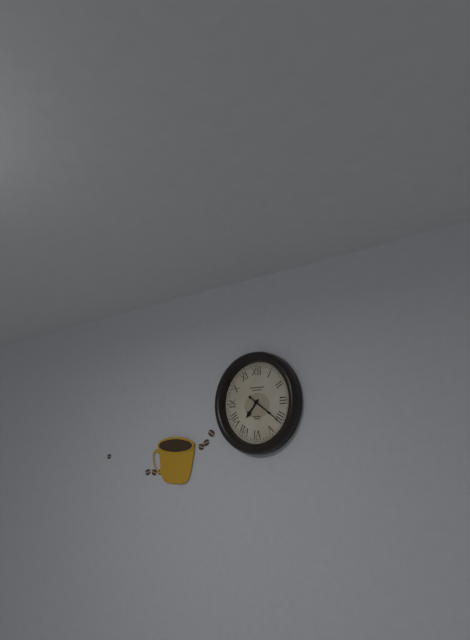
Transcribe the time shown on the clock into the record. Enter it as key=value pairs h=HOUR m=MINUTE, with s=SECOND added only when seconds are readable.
h=7 m=21
